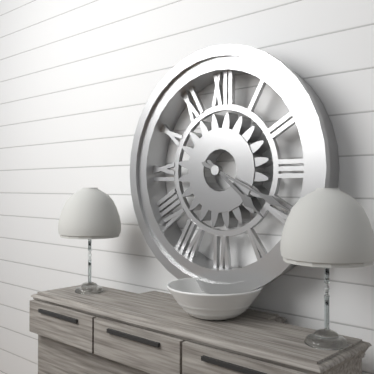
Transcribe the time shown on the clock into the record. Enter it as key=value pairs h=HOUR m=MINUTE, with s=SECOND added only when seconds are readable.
h=4 m=19
